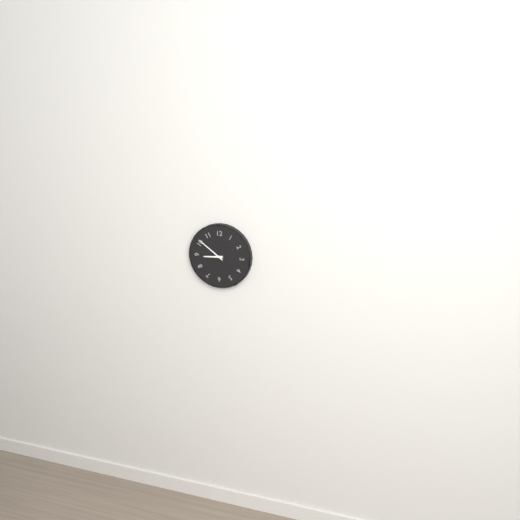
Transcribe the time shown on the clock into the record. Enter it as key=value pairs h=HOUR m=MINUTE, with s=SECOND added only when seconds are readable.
h=8 m=51
